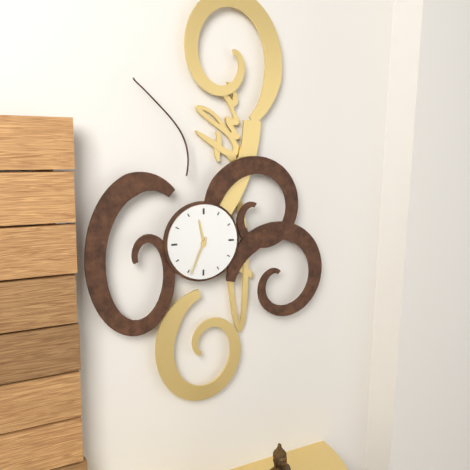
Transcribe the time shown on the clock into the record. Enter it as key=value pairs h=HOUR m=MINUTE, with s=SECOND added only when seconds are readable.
h=11 m=34
